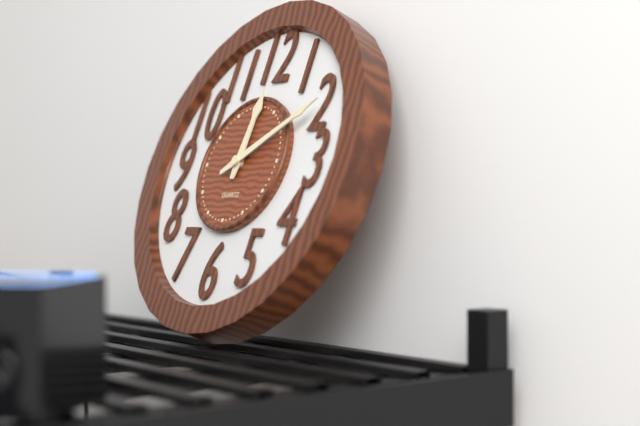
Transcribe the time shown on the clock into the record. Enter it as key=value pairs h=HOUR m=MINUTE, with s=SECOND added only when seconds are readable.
h=12 m=10
